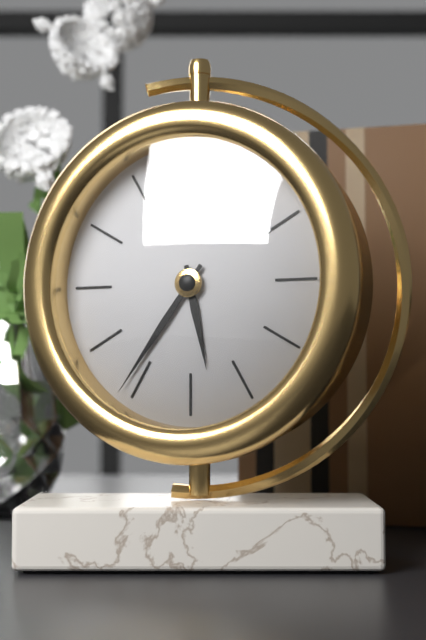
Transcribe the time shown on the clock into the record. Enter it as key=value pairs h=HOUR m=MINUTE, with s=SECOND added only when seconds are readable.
h=5 m=36
